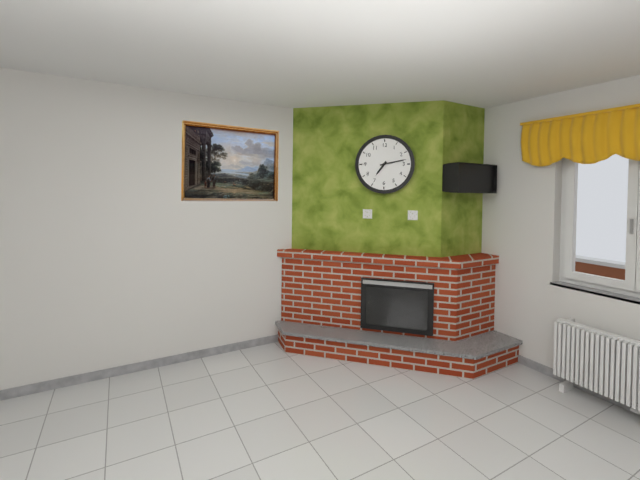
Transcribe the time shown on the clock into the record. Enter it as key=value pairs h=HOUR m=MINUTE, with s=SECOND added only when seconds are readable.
h=7 m=13
